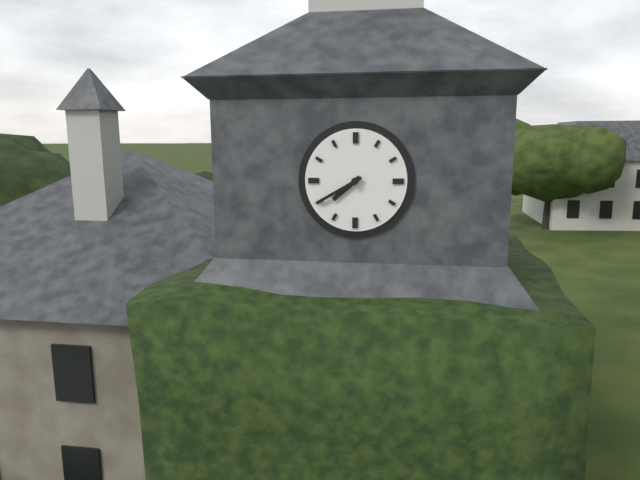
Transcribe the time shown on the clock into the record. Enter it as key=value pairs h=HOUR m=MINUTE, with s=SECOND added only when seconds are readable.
h=7 m=40
